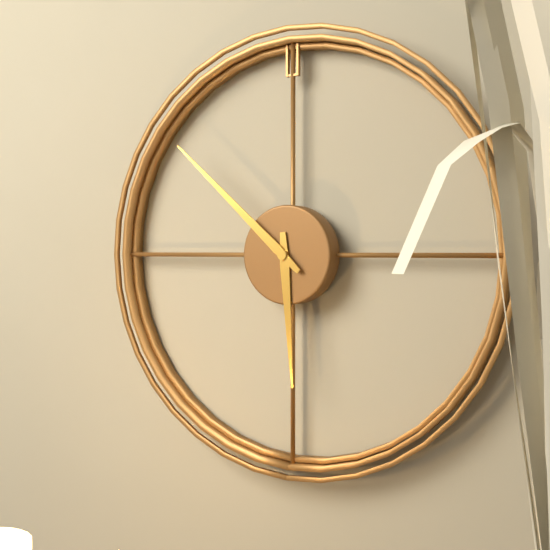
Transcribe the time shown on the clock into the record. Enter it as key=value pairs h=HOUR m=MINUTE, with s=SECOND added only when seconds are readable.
h=5 m=52
